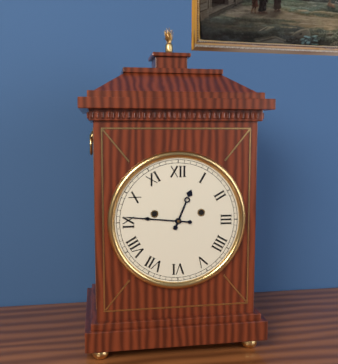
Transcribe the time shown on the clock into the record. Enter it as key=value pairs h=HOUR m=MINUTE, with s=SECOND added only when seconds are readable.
h=12 m=46
